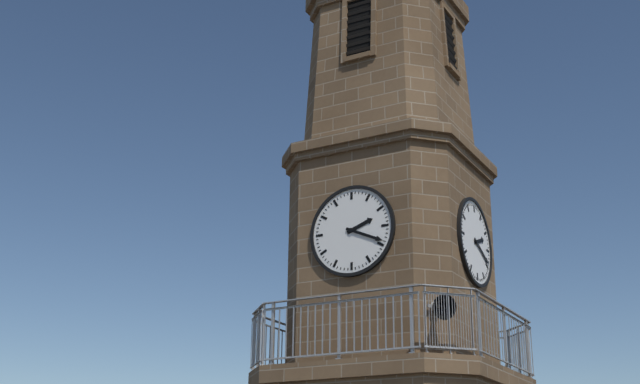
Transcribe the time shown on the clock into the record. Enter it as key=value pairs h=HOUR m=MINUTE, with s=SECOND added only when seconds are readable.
h=2 m=19
